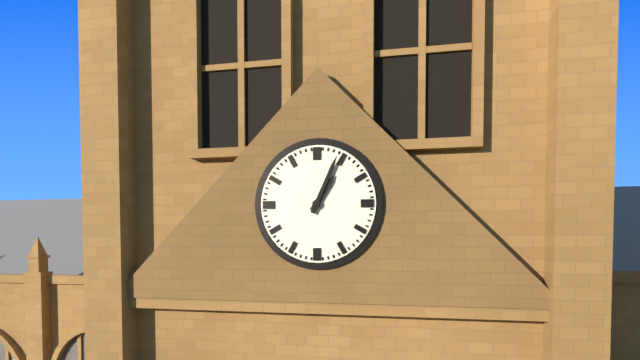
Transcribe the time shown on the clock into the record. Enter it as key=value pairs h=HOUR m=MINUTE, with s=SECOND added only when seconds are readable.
h=1 m=4
